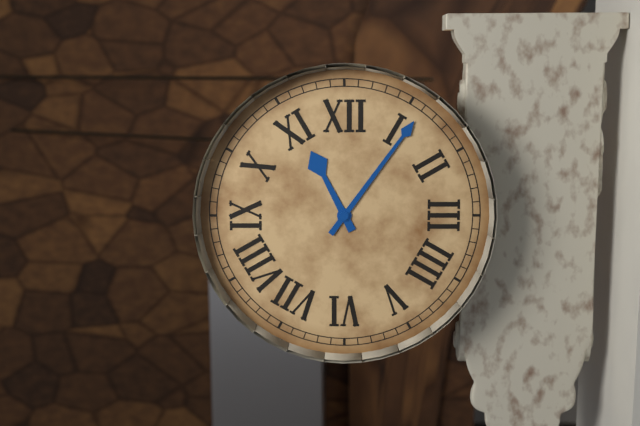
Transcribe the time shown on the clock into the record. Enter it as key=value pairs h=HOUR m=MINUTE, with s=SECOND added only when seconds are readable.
h=11 m=6
